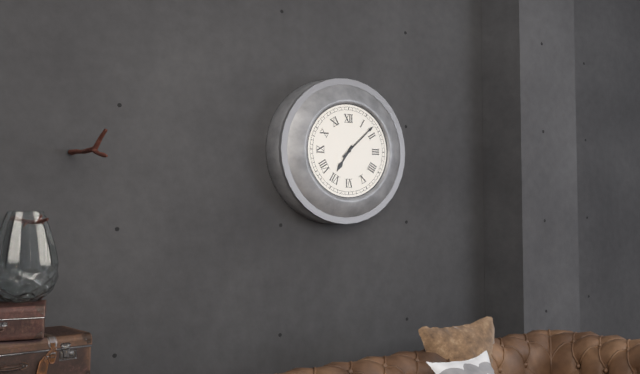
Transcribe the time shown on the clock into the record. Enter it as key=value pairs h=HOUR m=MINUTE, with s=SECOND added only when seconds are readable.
h=7 m=8
